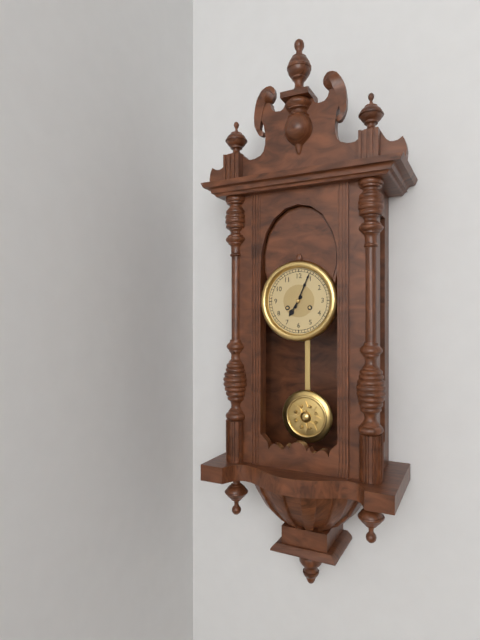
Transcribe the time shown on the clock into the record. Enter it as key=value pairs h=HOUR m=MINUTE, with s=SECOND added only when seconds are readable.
h=7 m=4
